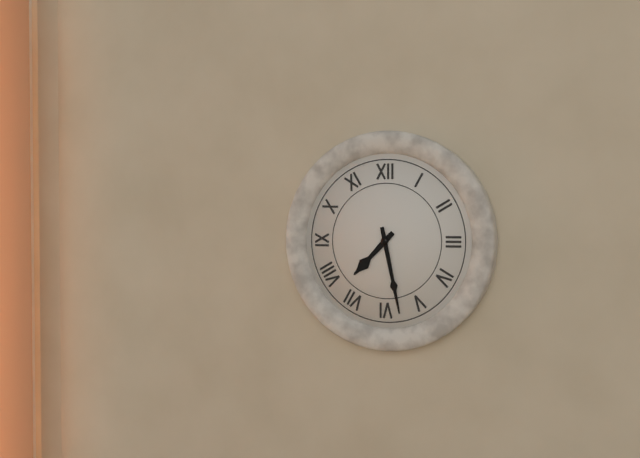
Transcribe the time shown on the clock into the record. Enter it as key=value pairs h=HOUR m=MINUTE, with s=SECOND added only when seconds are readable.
h=7 m=28
